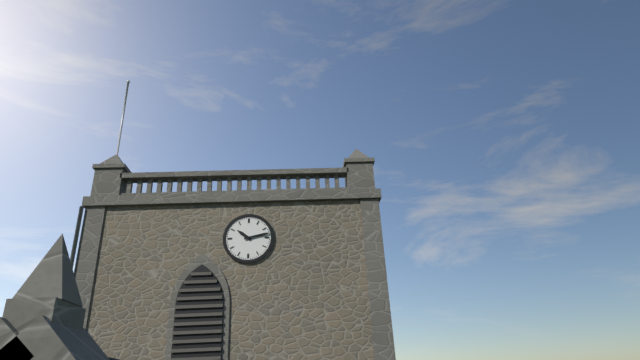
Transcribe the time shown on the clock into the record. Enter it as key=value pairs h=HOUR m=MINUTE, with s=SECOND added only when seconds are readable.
h=10 m=13
